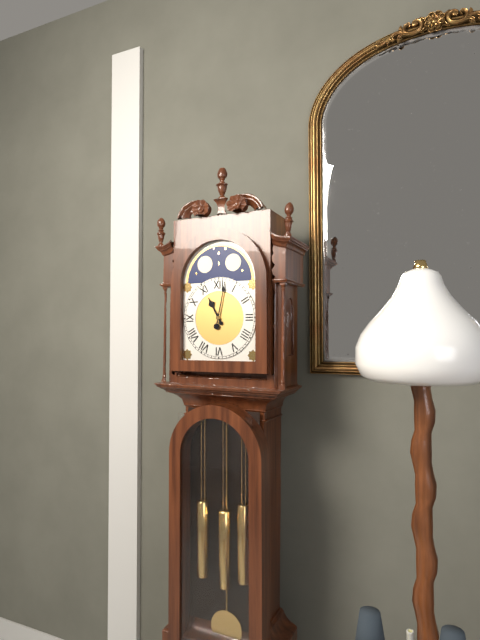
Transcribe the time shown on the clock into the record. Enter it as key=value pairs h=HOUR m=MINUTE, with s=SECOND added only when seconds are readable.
h=11 m=2
